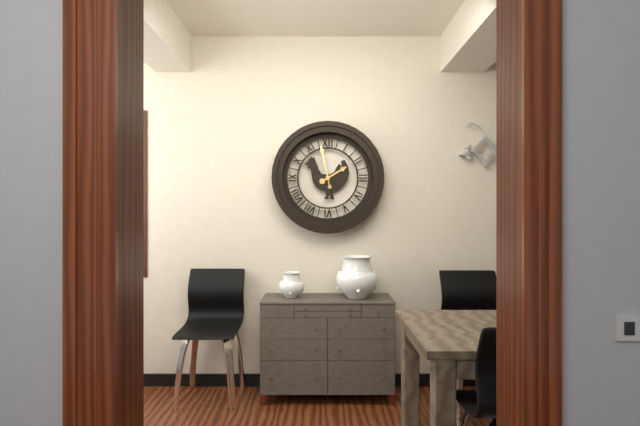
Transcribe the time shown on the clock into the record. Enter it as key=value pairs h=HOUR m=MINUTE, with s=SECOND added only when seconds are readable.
h=1 m=58
